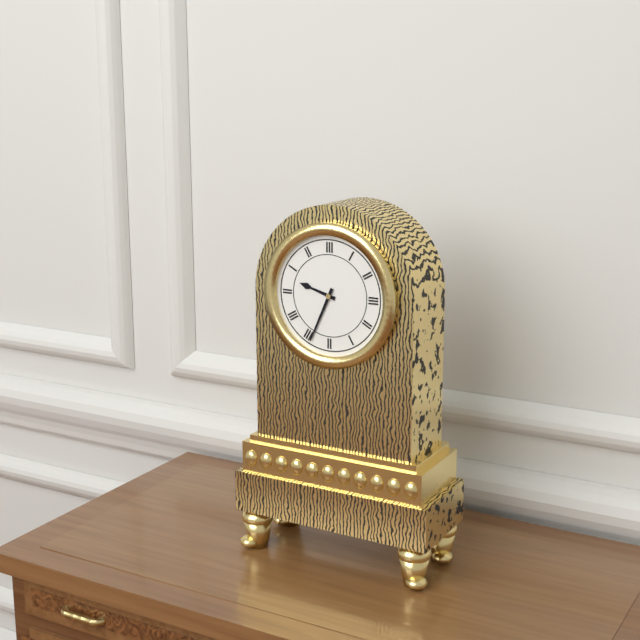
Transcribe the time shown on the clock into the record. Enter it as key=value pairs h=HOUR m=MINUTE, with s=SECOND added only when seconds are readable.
h=9 m=34
